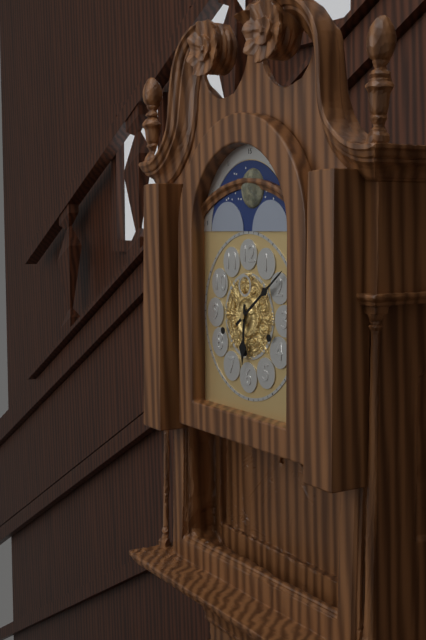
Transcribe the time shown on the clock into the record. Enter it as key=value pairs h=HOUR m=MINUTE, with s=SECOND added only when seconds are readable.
h=6 m=9
